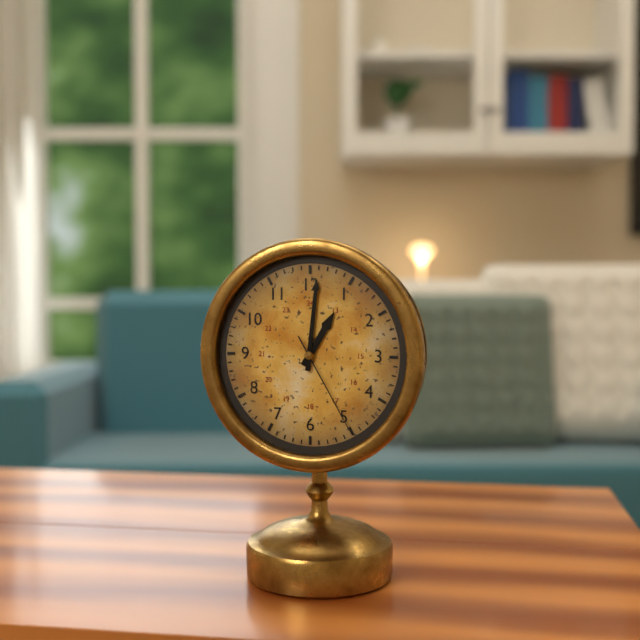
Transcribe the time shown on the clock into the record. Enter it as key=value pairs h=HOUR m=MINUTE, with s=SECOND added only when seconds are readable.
h=1 m=1 s=25
